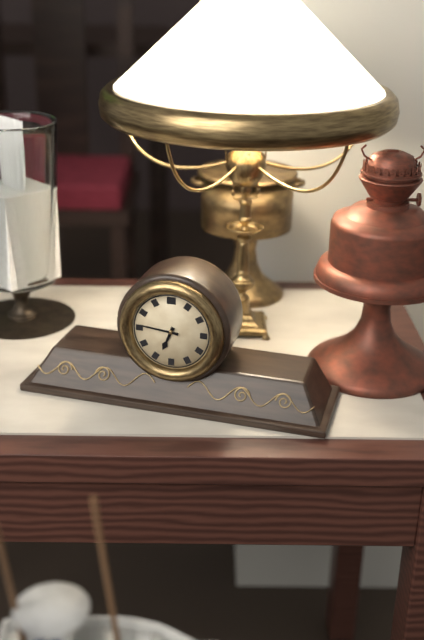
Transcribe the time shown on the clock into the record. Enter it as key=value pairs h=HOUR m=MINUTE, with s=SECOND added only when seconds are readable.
h=6 m=46
